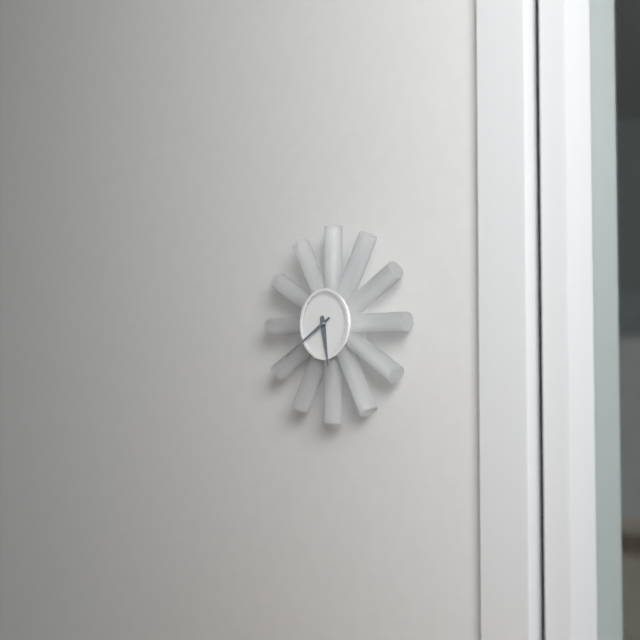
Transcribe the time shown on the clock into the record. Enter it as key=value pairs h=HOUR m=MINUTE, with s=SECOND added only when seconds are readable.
h=5 m=40
